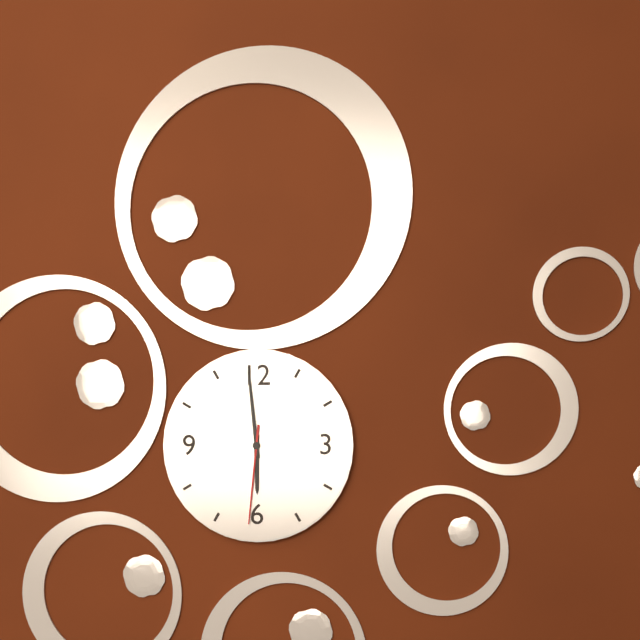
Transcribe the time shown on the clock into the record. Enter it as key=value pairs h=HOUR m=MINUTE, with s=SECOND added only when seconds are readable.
h=5 m=59 s=31
